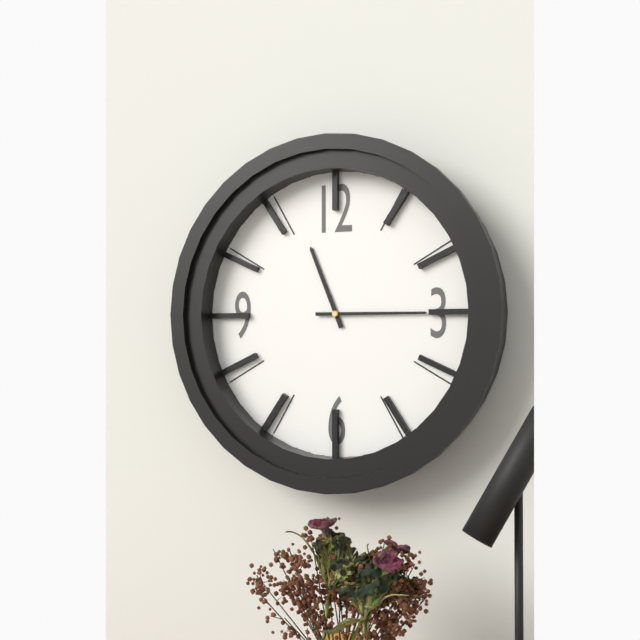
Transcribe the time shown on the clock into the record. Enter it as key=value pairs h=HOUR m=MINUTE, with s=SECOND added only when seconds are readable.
h=11 m=15
